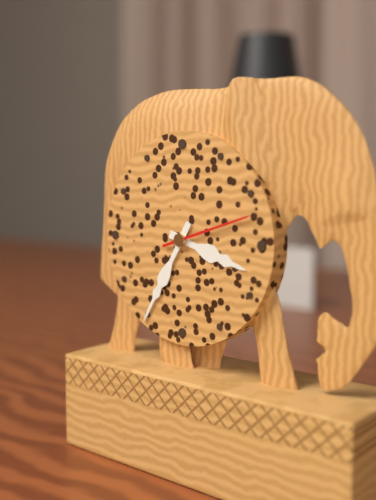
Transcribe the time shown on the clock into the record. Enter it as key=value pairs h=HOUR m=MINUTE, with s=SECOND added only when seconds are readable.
h=3 m=35 s=12
